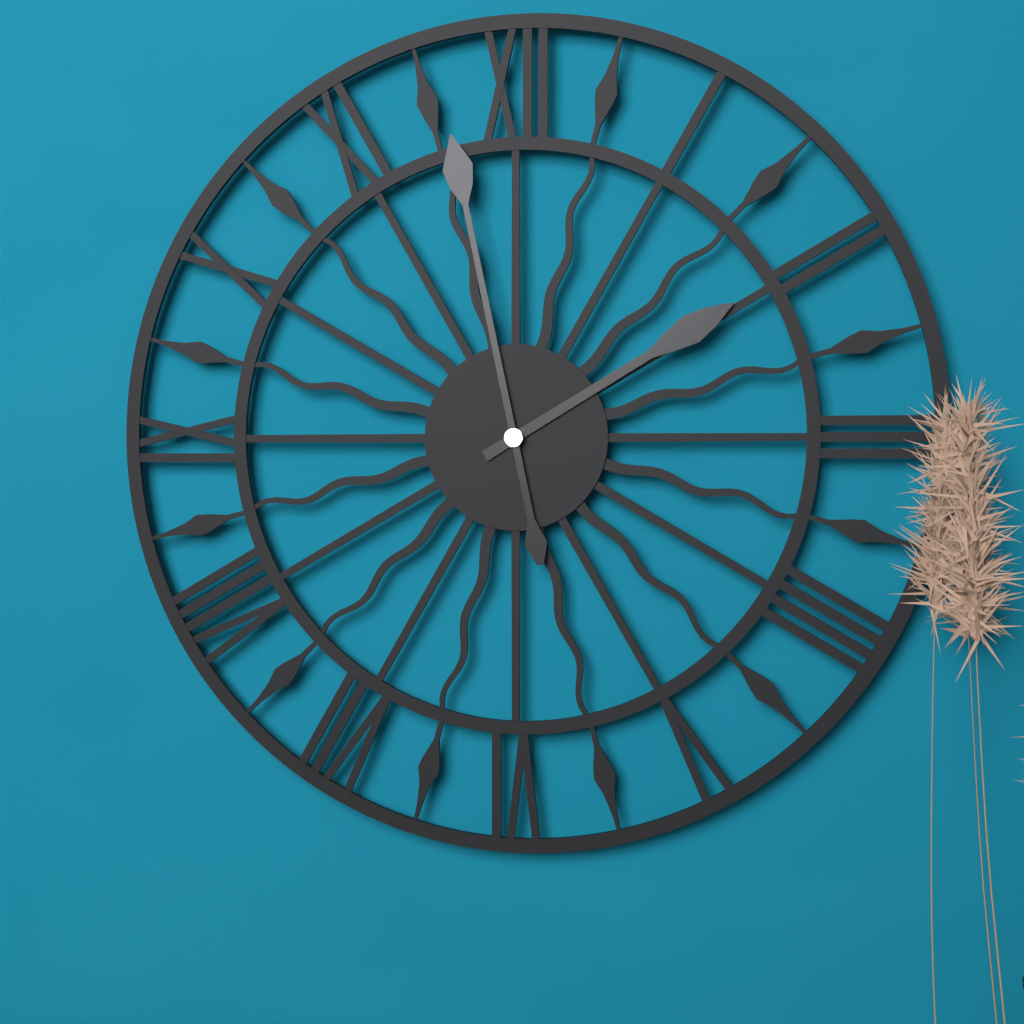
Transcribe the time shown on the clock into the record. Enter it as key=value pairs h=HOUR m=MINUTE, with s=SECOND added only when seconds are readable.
h=1 m=58
